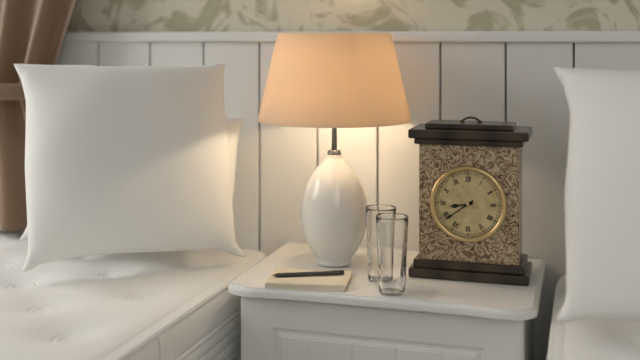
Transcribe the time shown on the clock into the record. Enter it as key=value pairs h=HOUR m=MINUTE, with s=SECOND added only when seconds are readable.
h=8 m=39
